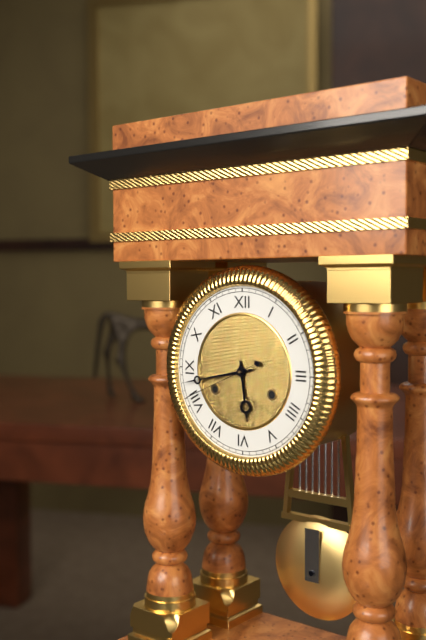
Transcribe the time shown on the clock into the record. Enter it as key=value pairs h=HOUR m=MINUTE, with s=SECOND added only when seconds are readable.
h=5 m=43 s=41
